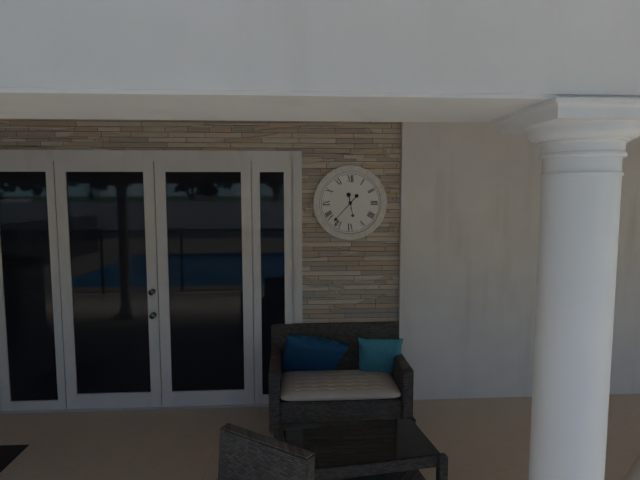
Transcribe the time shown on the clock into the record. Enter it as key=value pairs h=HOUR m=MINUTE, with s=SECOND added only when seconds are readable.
h=5 m=37
